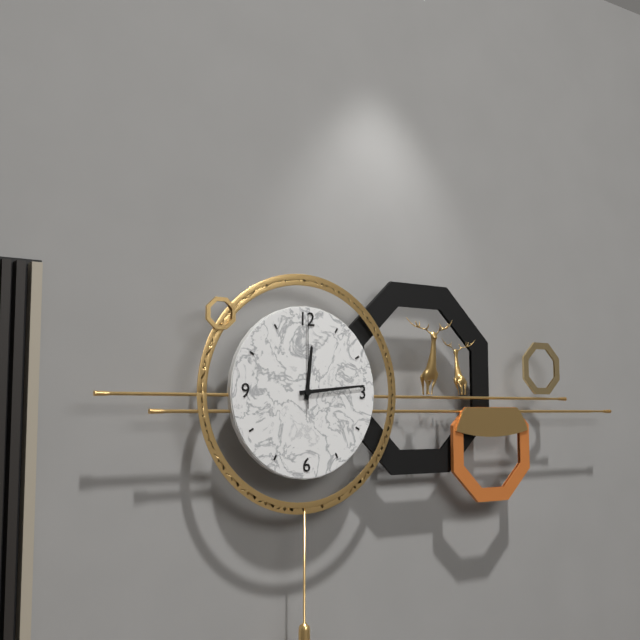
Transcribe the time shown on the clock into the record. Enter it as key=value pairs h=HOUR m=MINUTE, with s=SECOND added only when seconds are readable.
h=12 m=14 s=0
